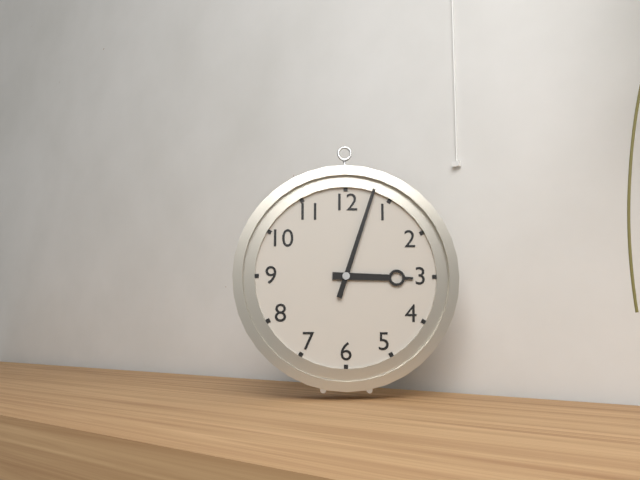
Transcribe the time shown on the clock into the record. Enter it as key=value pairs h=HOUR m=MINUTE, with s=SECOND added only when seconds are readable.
h=3 m=3
